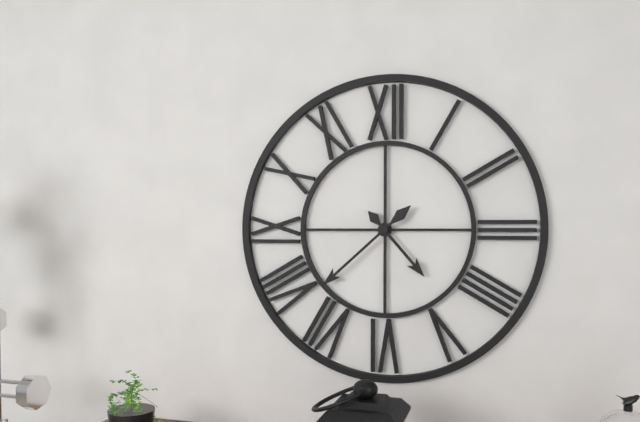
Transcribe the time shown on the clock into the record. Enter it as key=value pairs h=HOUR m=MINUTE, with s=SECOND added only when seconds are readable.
h=4 m=38
